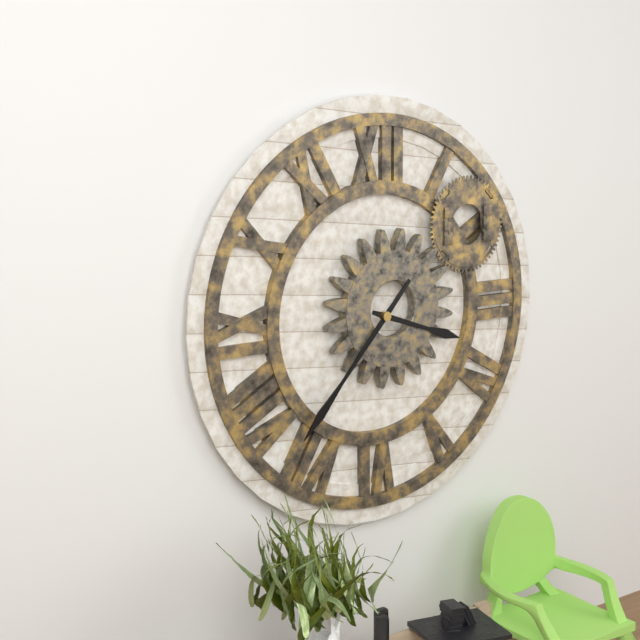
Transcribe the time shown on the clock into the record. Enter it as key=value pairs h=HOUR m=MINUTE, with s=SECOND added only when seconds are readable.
h=3 m=37
